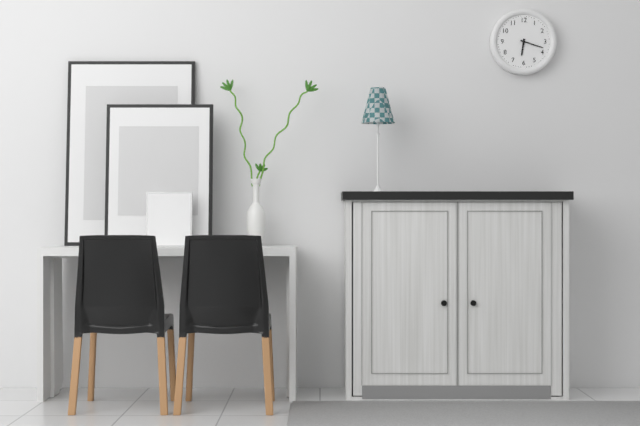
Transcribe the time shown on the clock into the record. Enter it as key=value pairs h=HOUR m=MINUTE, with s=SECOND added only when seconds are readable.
h=6 m=18
